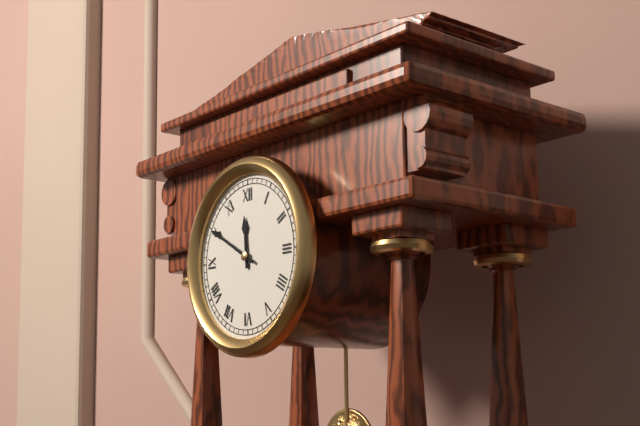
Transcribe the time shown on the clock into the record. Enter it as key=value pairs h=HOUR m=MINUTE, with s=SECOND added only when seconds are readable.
h=11 m=50
